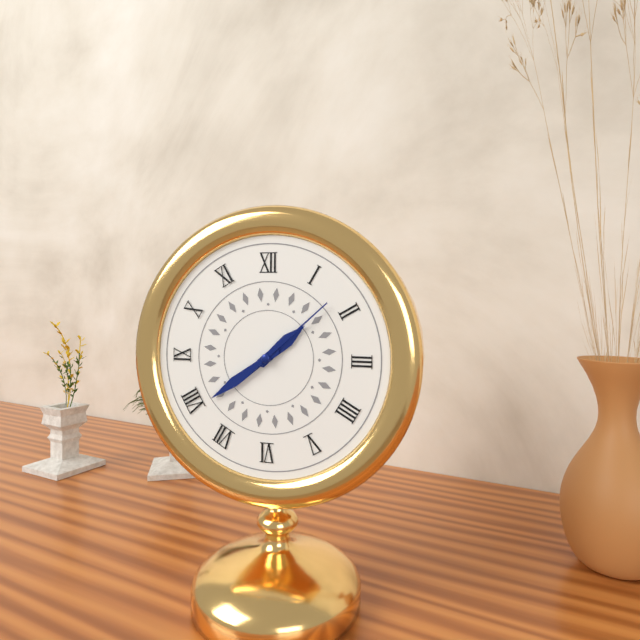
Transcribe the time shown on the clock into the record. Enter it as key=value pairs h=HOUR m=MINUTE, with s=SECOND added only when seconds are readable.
h=1 m=39 s=8
